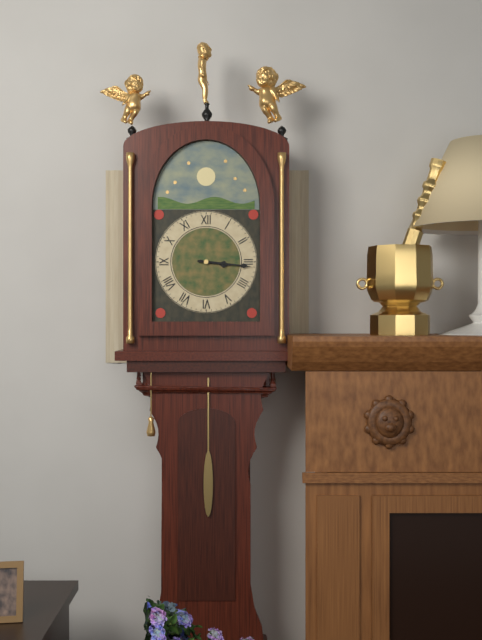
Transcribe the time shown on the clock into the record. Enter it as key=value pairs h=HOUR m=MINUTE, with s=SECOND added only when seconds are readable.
h=3 m=16
